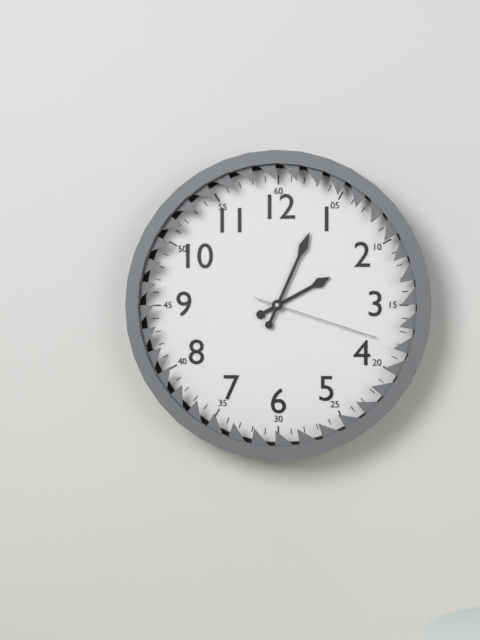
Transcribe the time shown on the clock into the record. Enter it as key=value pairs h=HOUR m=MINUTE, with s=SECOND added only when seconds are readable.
h=2 m=4 s=18
